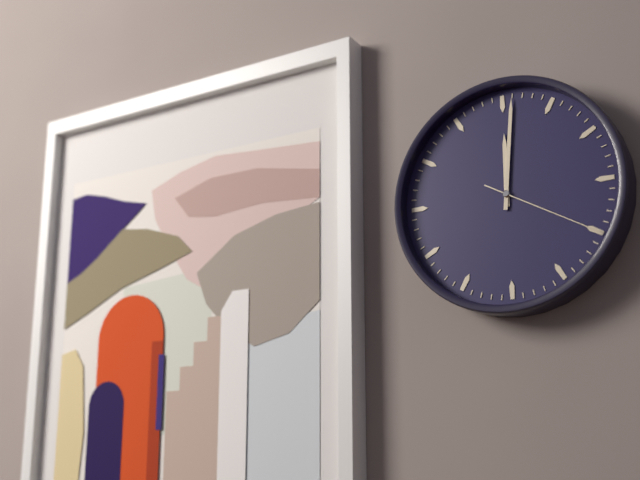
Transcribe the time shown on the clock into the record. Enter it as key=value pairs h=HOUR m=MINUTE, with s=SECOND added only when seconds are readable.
h=12 m=1 s=20
